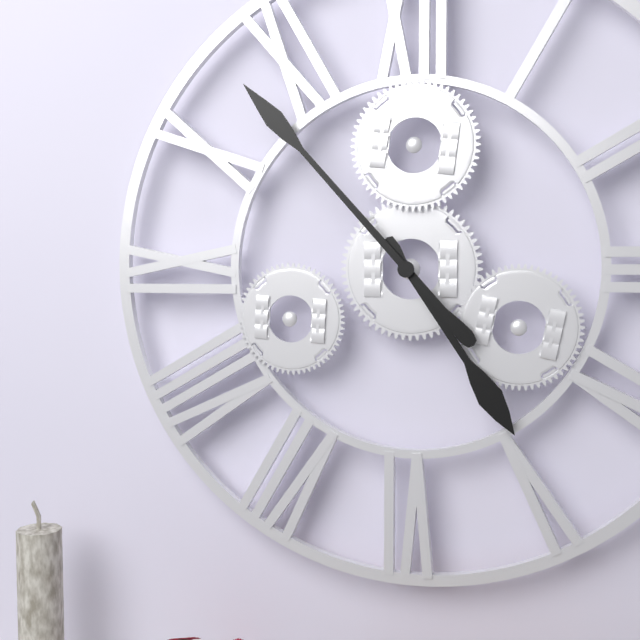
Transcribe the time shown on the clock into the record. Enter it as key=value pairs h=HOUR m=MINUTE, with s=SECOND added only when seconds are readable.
h=4 m=53
